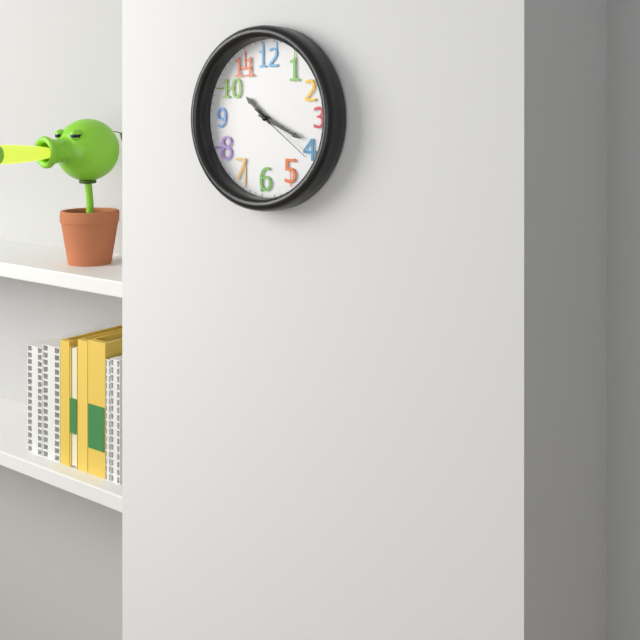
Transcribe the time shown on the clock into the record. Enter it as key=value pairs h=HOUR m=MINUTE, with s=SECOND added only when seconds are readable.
h=10 m=19 s=21
